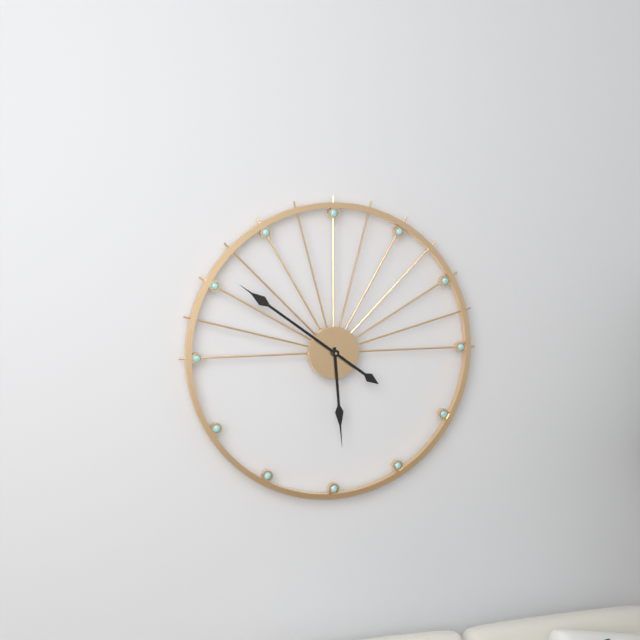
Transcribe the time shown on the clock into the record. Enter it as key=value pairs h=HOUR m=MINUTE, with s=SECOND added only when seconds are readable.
h=5 m=51
